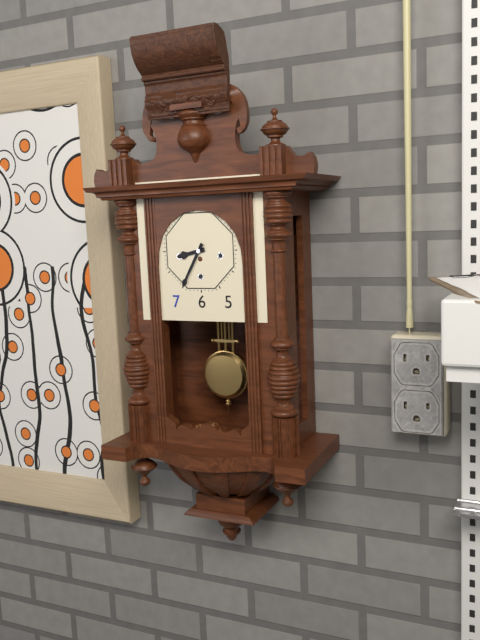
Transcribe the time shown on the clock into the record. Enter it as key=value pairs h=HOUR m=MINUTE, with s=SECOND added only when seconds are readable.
h=8 m=35
